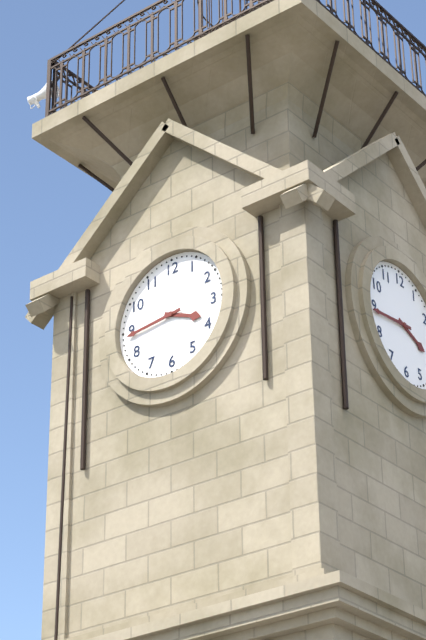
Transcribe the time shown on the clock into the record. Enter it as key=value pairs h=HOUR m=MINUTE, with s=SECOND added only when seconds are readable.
h=3 m=44
